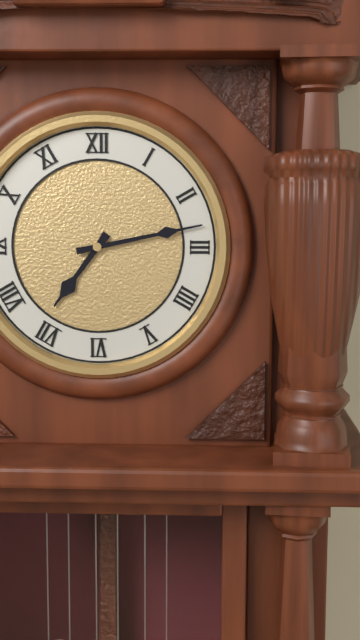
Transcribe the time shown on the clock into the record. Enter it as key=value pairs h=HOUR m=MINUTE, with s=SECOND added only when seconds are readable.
h=7 m=13
